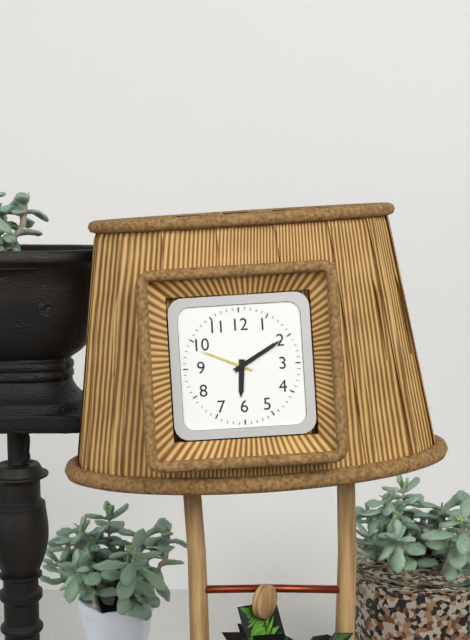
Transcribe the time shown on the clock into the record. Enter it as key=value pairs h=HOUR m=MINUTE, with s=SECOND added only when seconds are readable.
h=6 m=10 s=49
